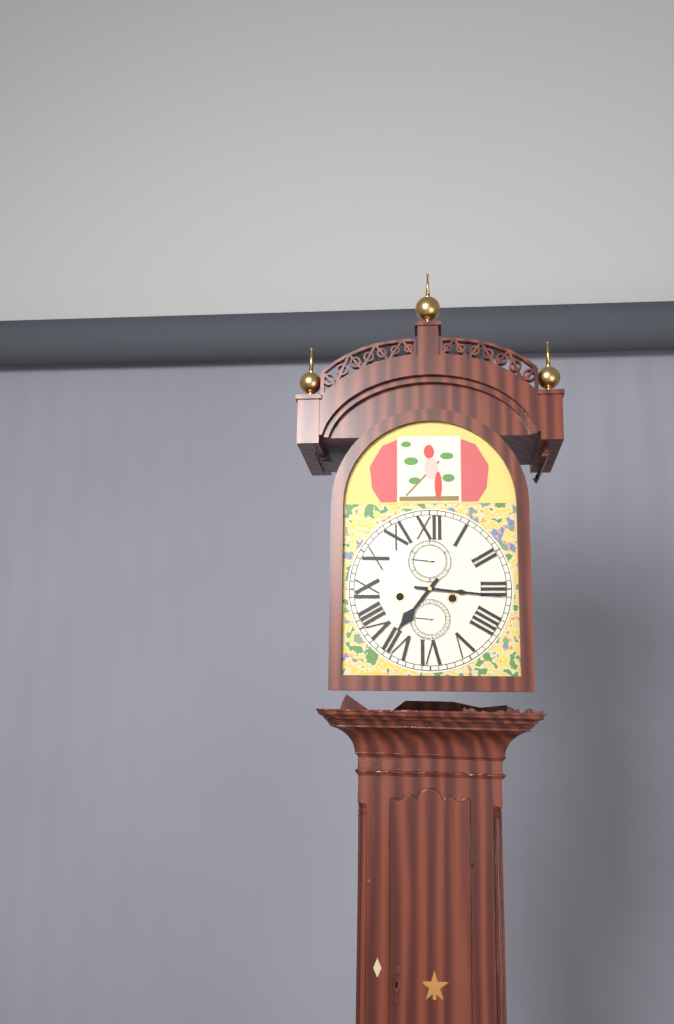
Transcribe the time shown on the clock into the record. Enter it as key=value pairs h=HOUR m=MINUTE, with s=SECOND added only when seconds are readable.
h=7 m=16
